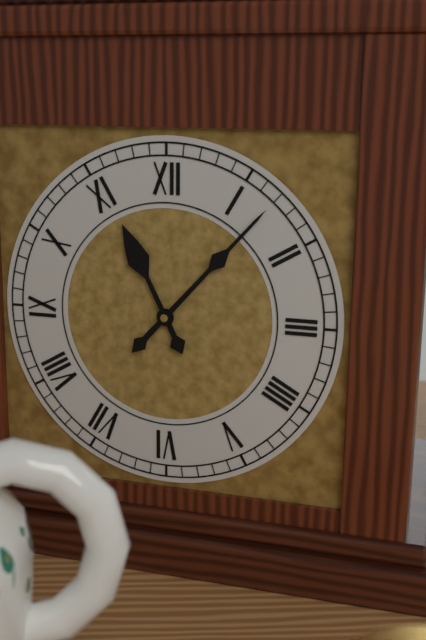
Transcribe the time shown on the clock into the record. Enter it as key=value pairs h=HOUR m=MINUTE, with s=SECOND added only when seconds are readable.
h=11 m=7
